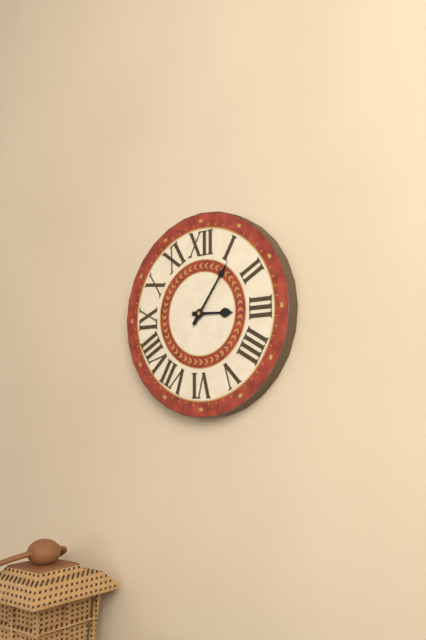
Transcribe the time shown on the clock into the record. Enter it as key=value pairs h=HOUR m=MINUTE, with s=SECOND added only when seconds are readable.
h=3 m=6
